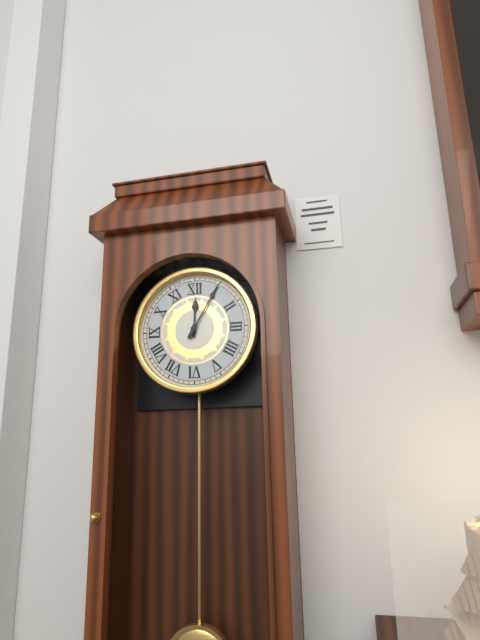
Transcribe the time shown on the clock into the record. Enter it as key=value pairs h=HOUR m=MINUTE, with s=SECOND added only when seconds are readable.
h=12 m=5
